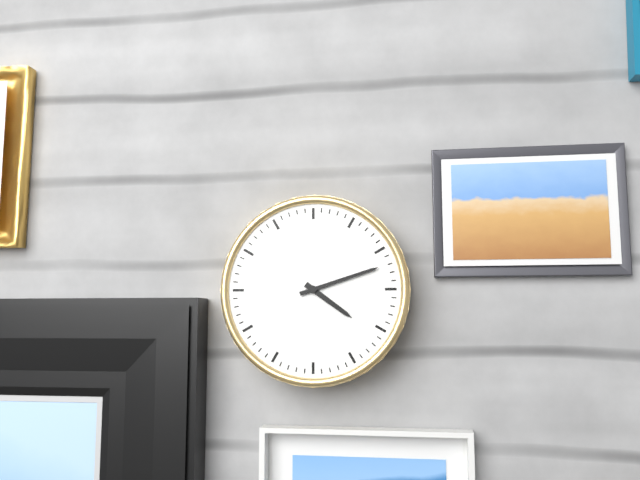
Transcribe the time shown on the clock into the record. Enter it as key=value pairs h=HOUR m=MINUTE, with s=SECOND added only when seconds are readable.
h=4 m=12
